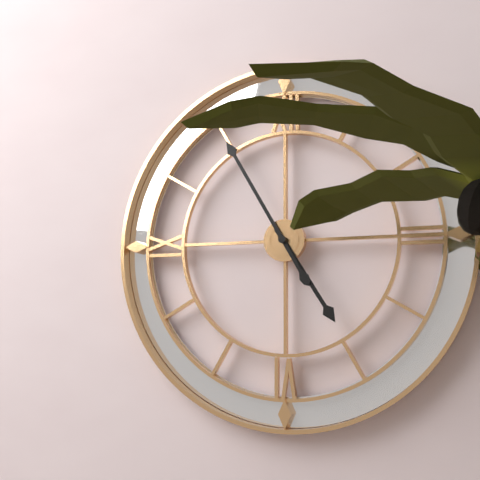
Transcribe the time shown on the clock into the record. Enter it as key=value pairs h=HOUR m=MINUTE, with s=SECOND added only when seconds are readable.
h=4 m=55
